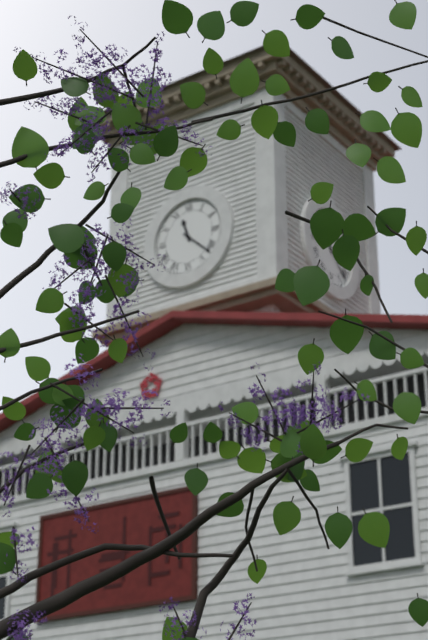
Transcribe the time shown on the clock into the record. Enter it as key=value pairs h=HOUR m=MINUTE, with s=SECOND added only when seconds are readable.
h=11 m=22
